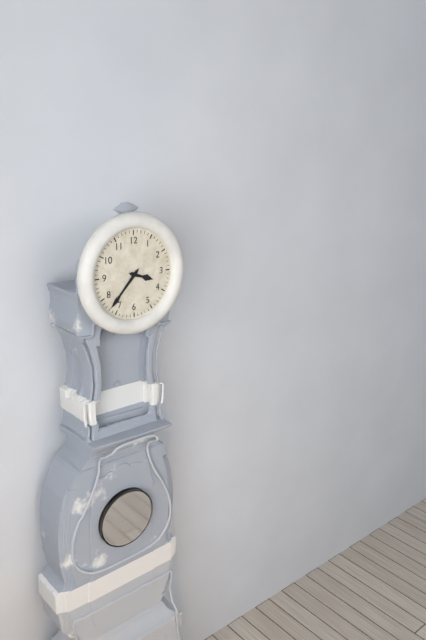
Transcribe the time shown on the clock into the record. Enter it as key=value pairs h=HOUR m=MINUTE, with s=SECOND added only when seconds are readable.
h=3 m=37
